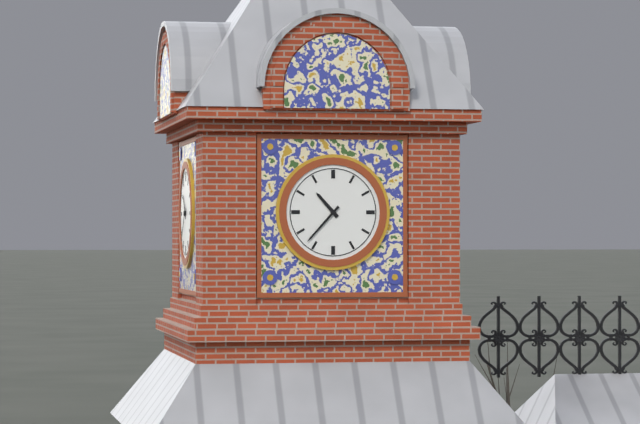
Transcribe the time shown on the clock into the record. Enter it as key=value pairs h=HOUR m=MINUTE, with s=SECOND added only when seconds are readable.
h=10 m=37
